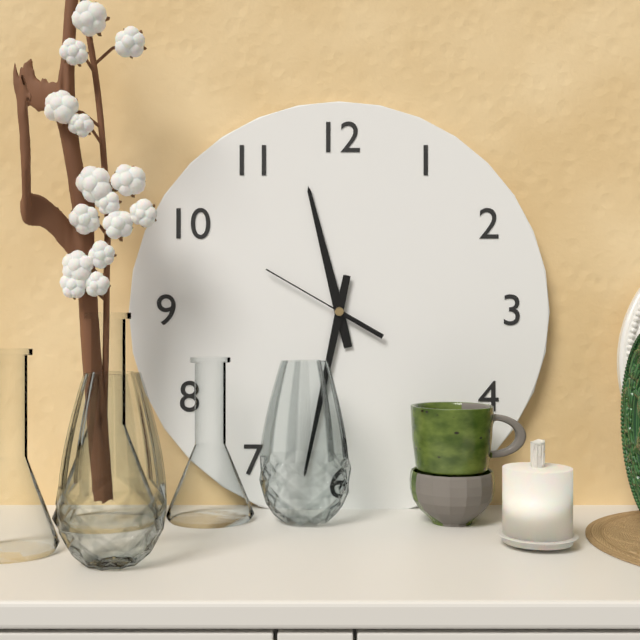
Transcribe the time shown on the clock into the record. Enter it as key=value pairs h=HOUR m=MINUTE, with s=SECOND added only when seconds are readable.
h=11 m=32 s=50
